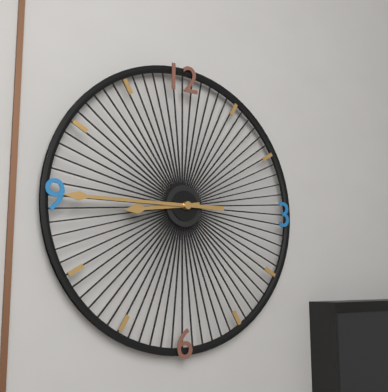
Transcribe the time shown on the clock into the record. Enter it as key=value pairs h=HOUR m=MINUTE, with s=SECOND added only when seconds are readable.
h=8 m=45
